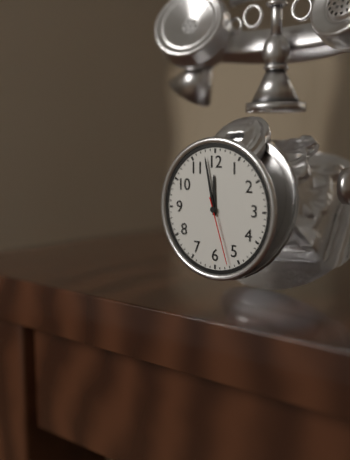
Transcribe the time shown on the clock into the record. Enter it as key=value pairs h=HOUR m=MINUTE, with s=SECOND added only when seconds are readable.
h=11 m=58 s=27
